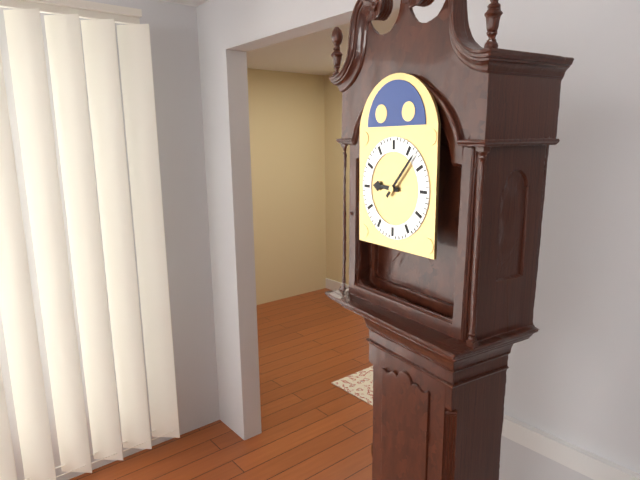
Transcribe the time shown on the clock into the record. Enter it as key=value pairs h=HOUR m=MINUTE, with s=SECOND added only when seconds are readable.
h=9 m=7
